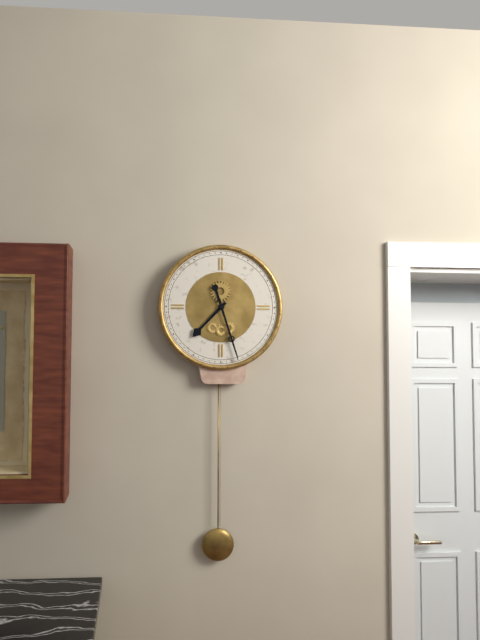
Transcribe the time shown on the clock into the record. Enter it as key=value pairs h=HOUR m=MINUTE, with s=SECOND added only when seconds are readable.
h=7 m=27
